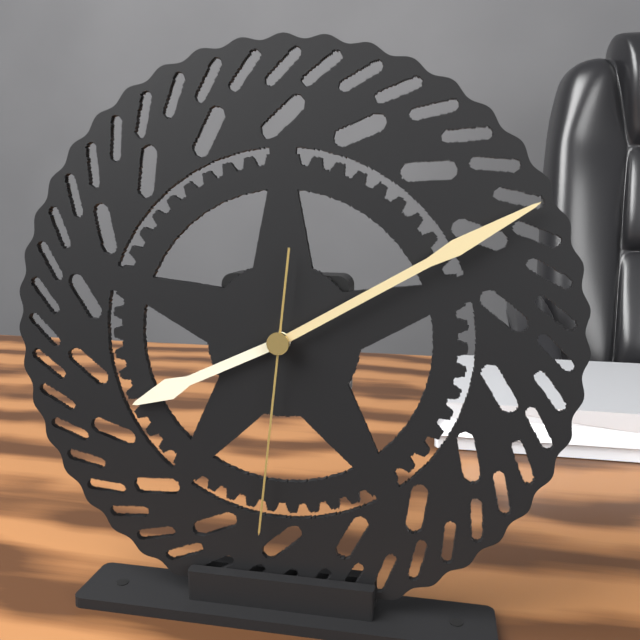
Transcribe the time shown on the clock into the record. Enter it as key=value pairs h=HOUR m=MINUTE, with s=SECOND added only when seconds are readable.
h=8 m=10 s=31
